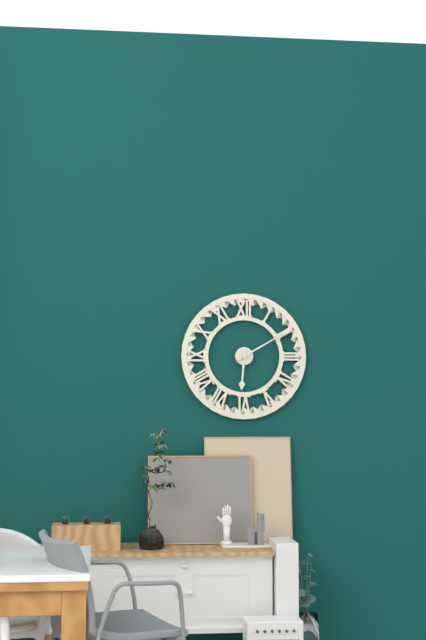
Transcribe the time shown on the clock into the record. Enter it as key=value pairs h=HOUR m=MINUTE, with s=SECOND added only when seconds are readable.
h=6 m=10
